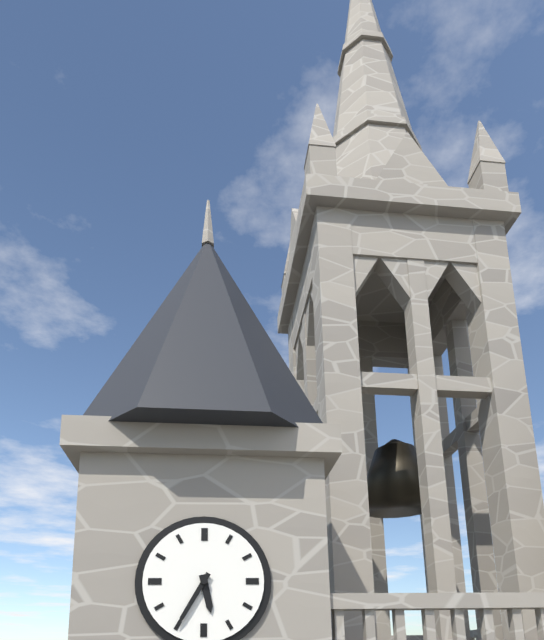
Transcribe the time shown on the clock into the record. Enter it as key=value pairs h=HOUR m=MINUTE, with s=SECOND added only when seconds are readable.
h=5 m=35
